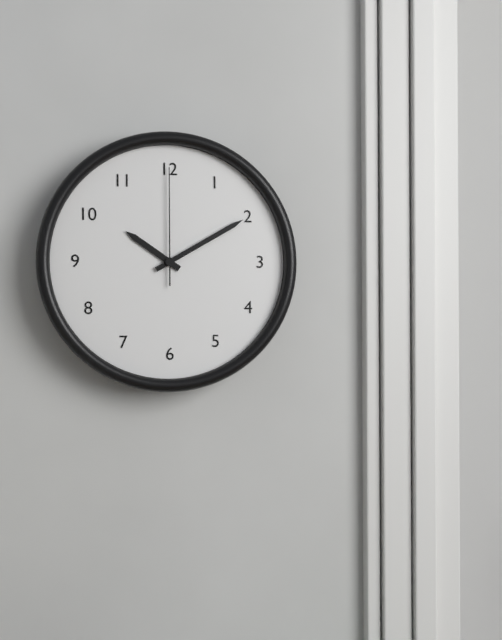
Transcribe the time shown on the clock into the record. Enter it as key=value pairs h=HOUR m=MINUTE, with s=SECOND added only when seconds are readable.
h=10 m=10 s=0
